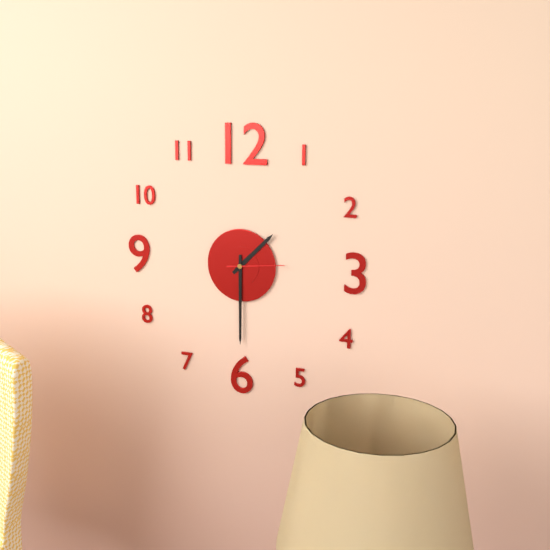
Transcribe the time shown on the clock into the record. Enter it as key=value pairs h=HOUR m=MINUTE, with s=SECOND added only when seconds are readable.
h=1 m=30 s=14
